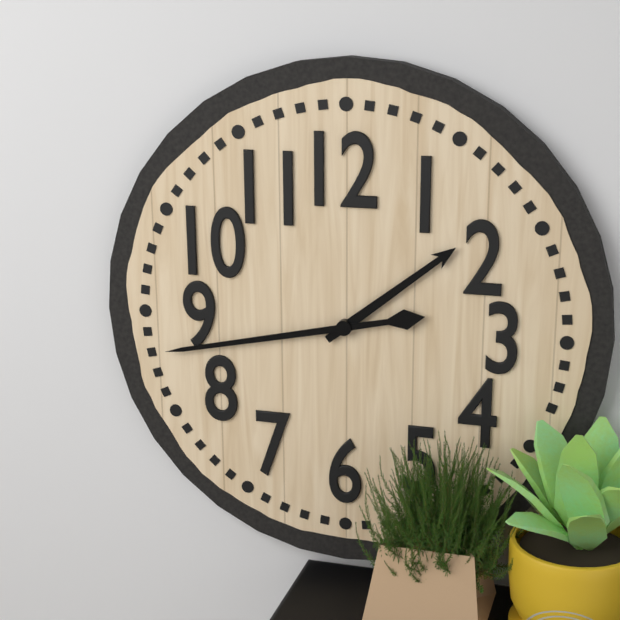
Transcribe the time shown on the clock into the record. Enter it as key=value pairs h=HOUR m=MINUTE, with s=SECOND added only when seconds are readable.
h=1 m=43
